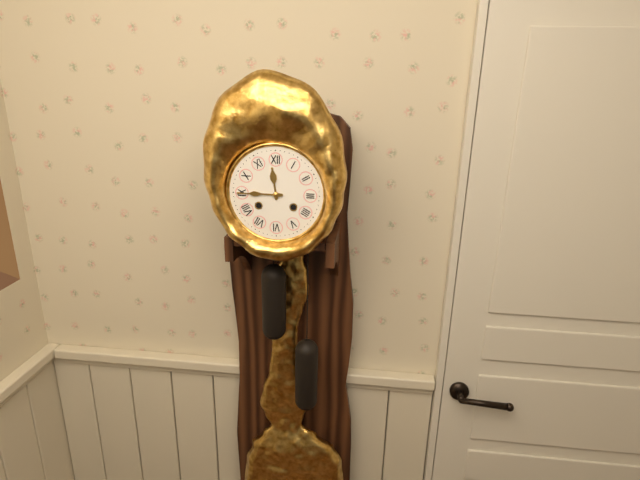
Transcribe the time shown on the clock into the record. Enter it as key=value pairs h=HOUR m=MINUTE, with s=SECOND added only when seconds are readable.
h=11 m=45
